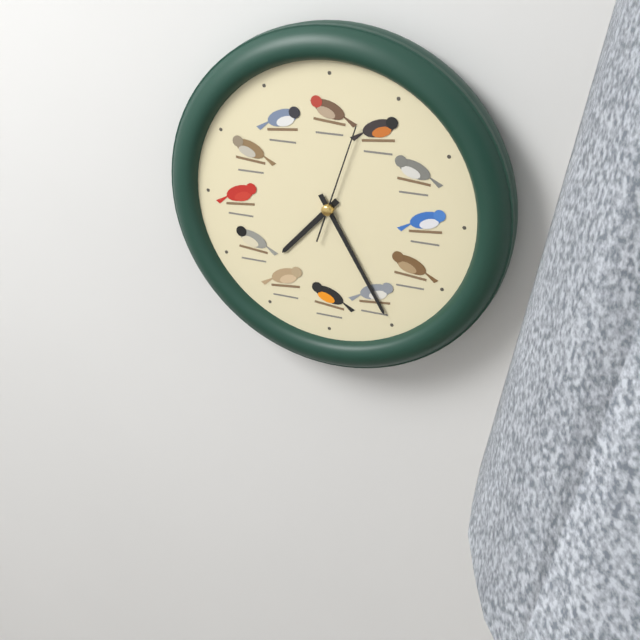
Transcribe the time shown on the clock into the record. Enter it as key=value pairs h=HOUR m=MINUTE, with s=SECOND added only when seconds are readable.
h=7 m=25 s=3
